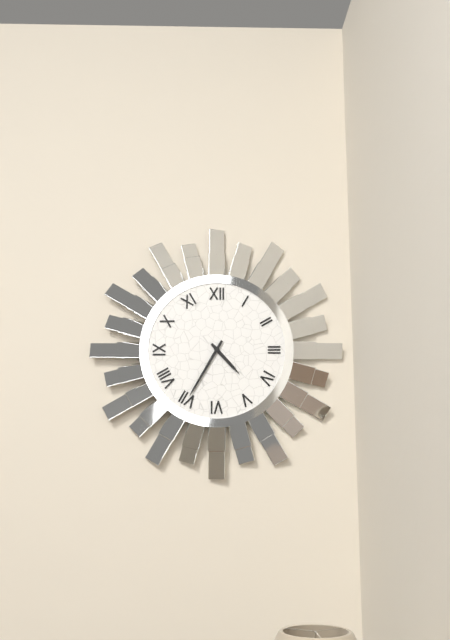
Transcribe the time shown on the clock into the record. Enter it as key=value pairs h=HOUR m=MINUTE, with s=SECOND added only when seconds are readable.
h=4 m=35
